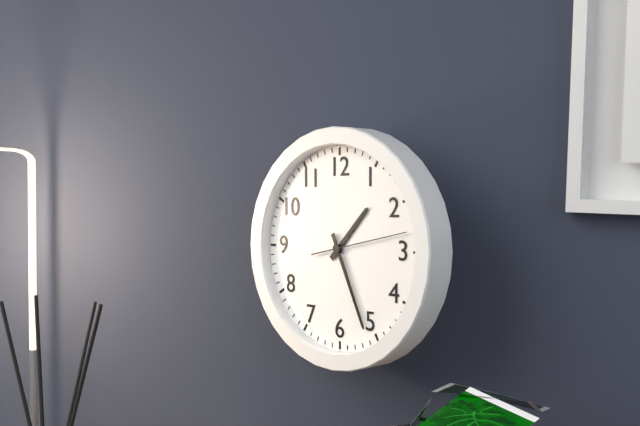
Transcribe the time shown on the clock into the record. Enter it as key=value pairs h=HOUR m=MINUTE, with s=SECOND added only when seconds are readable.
h=1 m=26 s=13
